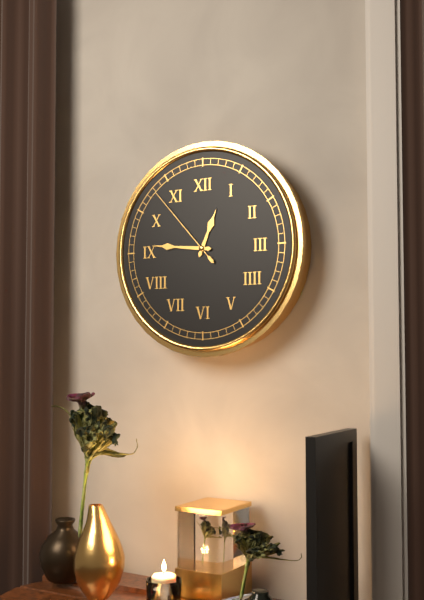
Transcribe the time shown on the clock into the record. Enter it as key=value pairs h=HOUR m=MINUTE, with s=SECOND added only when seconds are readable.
h=12 m=46 s=53
